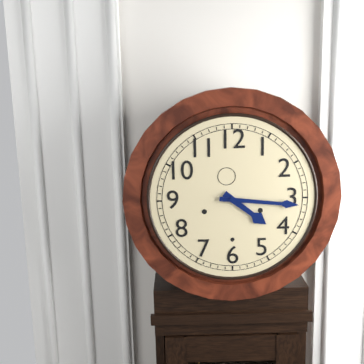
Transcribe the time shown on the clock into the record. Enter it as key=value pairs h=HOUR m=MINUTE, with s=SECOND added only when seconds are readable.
h=4 m=16
